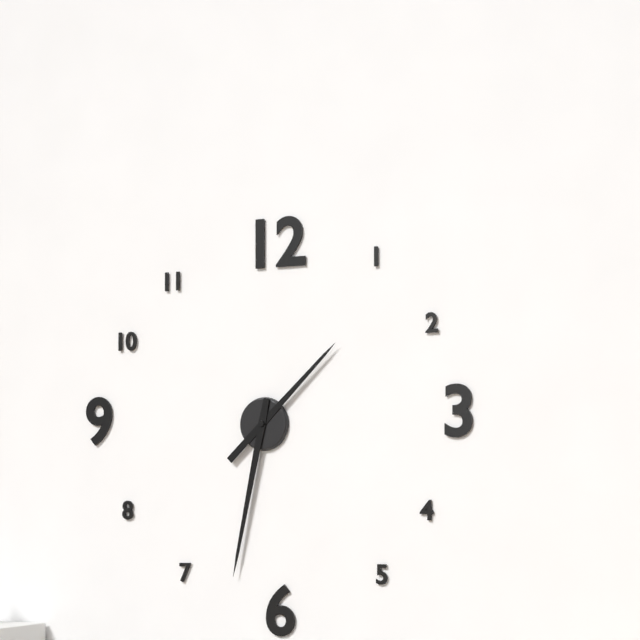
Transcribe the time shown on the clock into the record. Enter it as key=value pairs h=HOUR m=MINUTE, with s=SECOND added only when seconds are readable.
h=1 m=32
